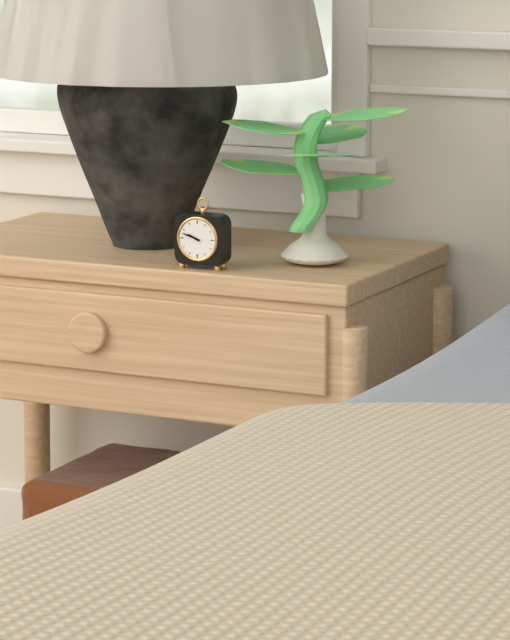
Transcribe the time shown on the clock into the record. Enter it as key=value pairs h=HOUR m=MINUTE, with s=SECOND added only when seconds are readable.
h=9 m=48
